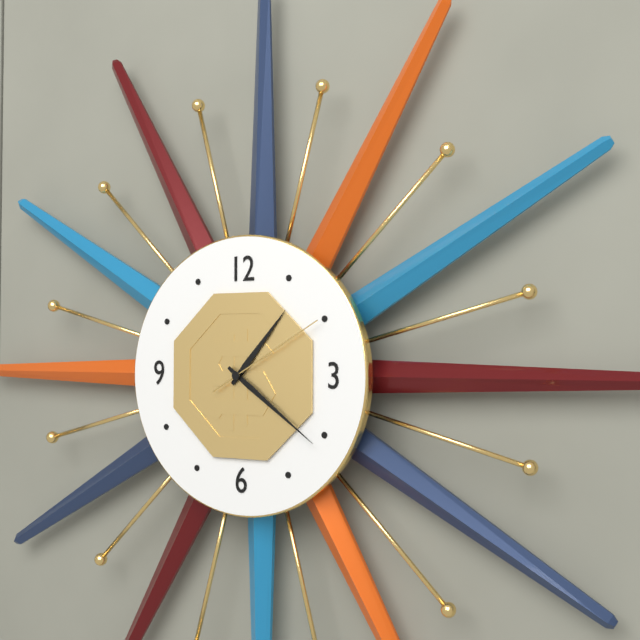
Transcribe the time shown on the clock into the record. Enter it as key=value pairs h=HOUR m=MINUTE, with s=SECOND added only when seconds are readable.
h=1 m=21 s=10
